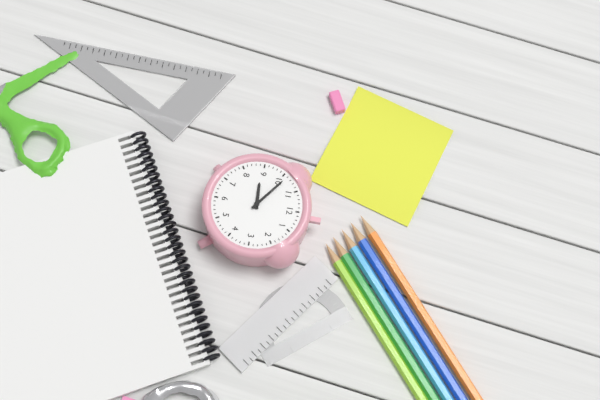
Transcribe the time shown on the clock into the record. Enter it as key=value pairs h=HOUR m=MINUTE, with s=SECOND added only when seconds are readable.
h=8 m=51
